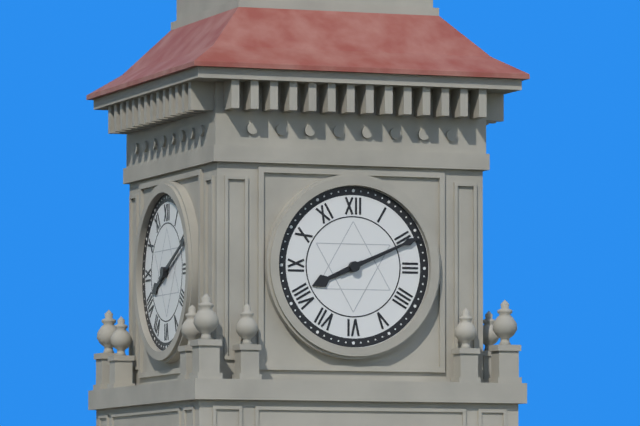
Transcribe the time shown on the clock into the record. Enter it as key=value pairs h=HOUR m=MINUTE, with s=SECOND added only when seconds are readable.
h=8 m=11
